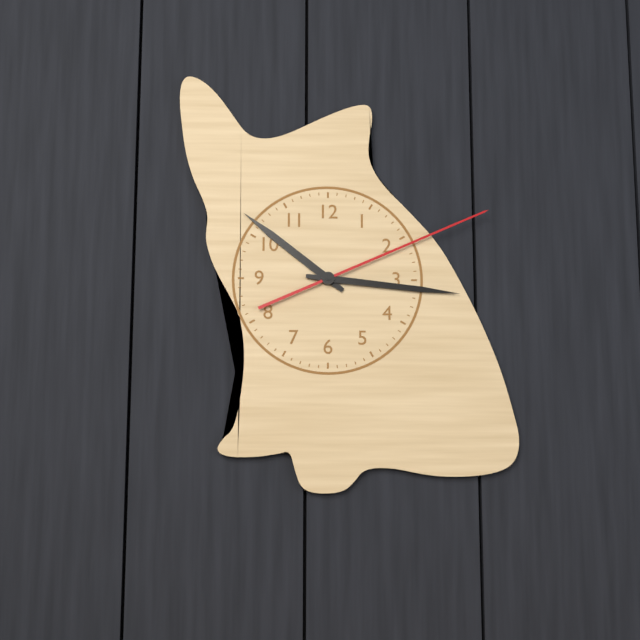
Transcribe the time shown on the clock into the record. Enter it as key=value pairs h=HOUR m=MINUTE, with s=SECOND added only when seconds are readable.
h=10 m=16 s=11
